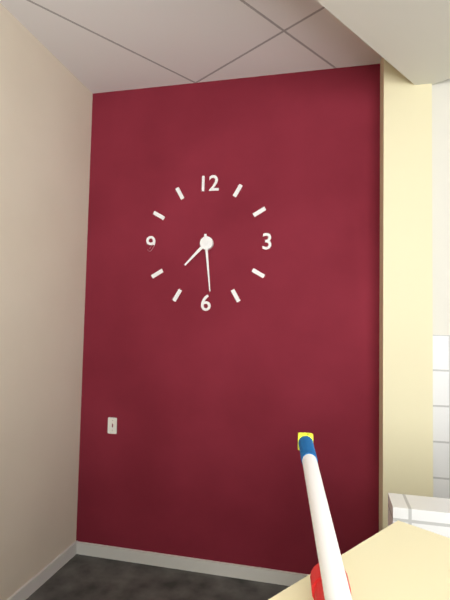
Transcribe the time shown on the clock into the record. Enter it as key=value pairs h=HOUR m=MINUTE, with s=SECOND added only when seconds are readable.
h=7 m=29
